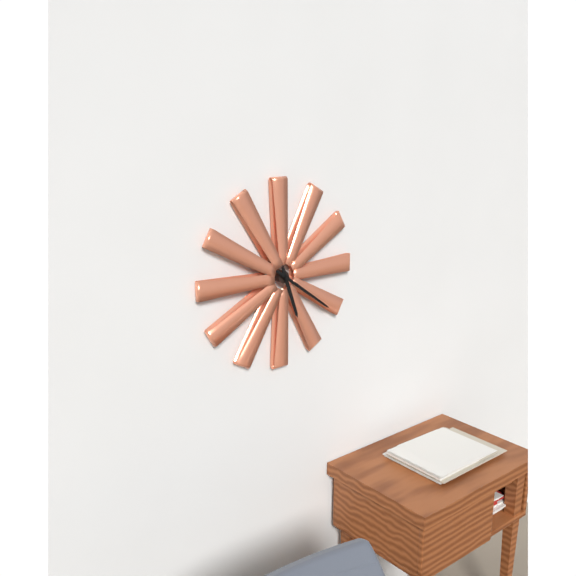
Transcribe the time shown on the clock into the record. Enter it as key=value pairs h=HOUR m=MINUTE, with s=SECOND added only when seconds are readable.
h=5 m=21
